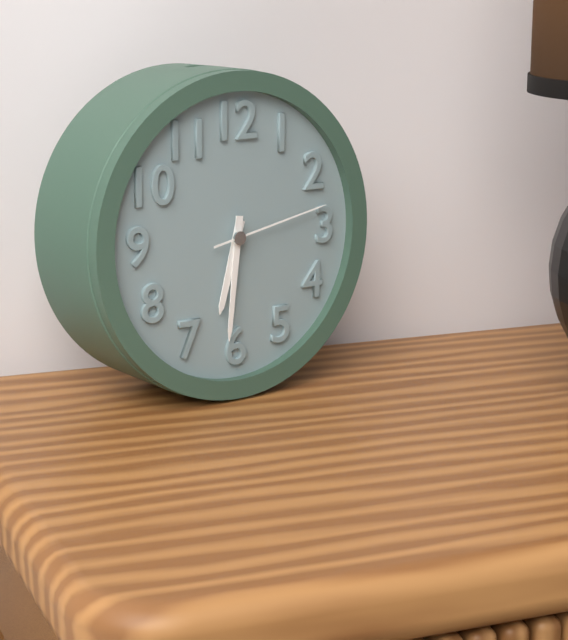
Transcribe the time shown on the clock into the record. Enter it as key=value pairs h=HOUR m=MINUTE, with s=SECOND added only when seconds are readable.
h=6 m=31 s=13
